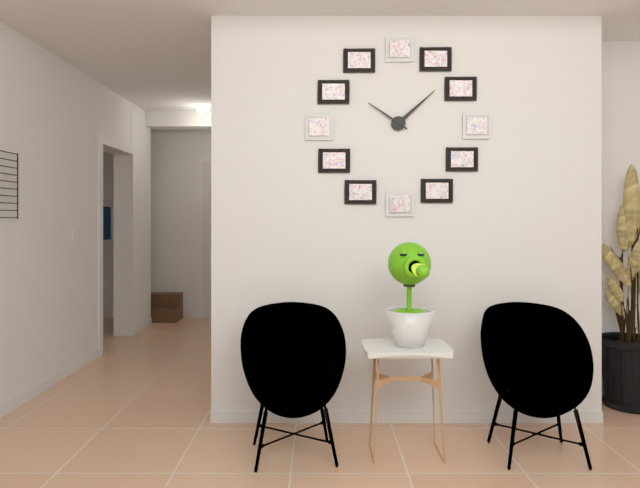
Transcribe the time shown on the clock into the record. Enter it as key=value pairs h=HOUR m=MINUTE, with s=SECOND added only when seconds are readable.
h=10 m=8
